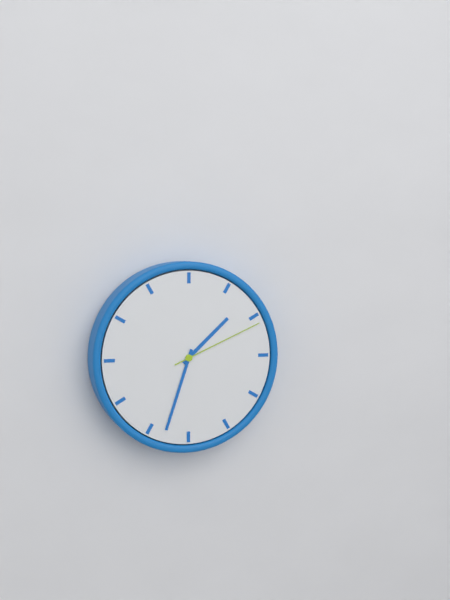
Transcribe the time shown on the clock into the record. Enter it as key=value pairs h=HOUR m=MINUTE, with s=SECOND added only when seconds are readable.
h=1 m=33 s=11
